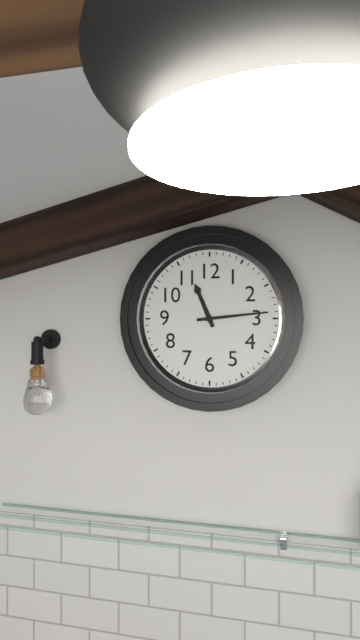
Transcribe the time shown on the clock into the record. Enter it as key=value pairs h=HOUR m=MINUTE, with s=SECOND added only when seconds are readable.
h=11 m=14
